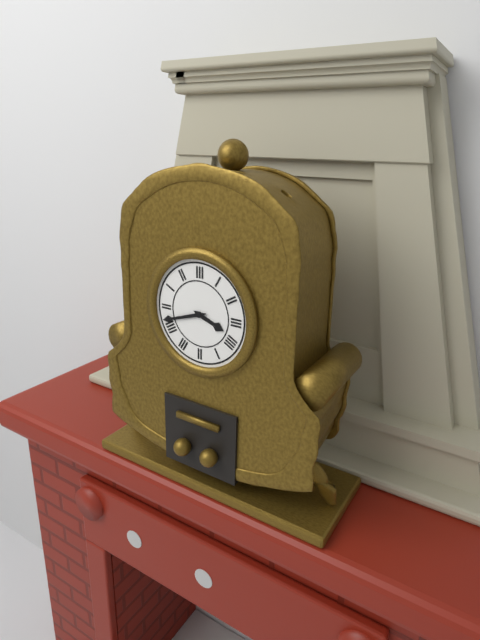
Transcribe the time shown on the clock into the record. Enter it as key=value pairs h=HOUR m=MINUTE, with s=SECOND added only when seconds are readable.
h=3 m=42
